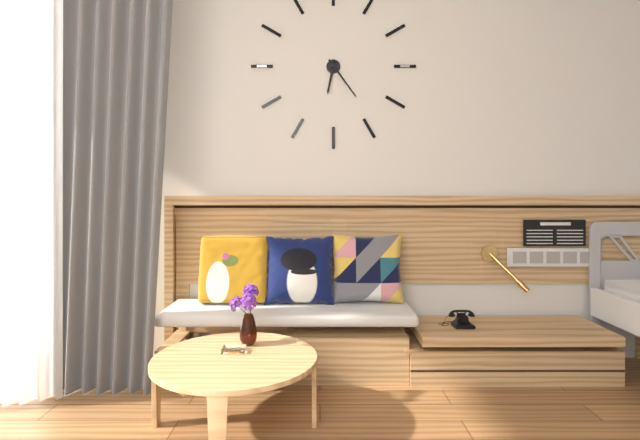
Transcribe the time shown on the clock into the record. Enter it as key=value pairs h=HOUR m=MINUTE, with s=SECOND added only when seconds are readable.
h=6 m=24
